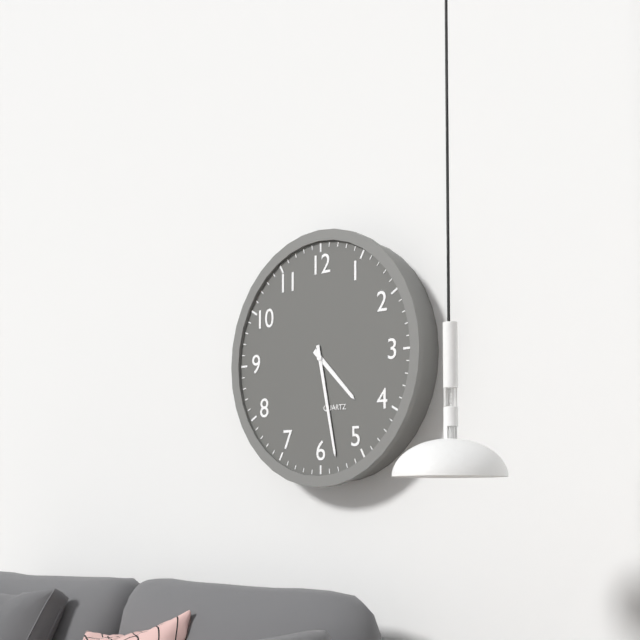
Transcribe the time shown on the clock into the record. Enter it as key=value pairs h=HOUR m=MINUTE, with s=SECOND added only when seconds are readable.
h=4 m=28
